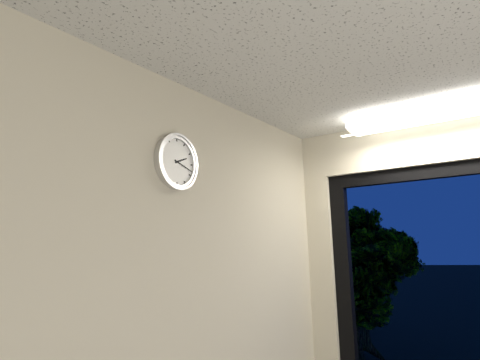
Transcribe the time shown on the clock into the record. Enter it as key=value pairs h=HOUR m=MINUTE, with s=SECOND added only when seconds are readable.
h=2 m=18
